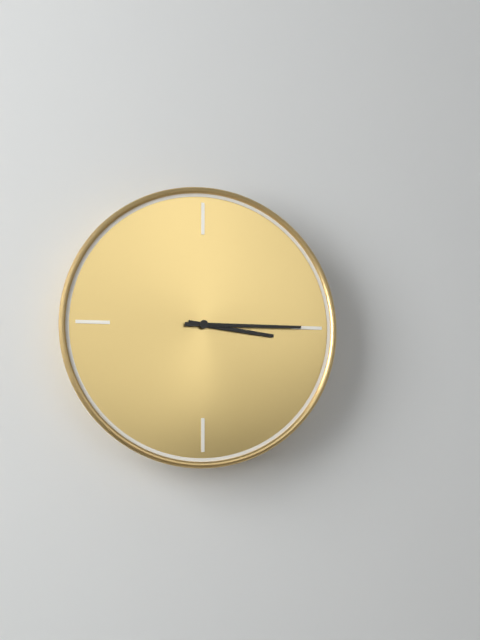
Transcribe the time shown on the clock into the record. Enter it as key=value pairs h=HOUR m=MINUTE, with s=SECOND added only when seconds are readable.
h=3 m=15
